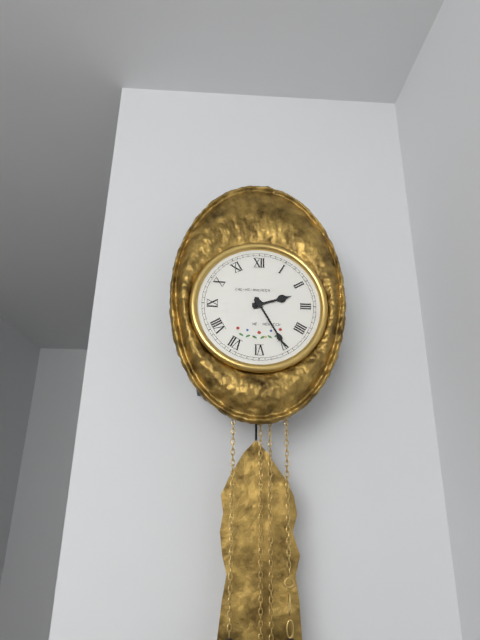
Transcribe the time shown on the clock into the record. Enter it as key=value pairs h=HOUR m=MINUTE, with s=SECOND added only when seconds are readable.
h=2 m=25
